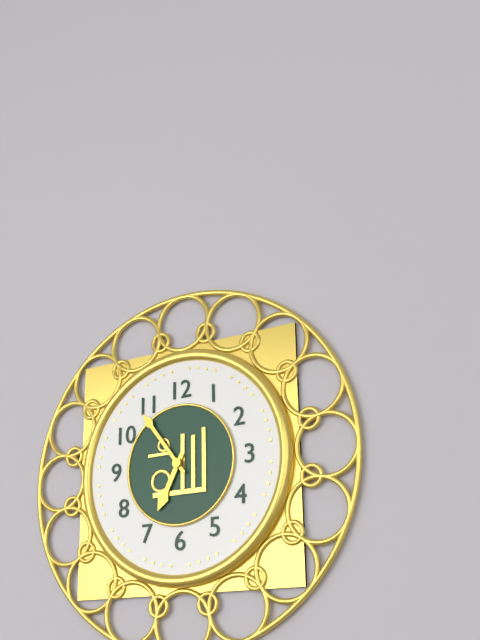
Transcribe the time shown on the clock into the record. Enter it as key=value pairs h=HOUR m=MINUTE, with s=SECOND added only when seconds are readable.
h=6 m=54
